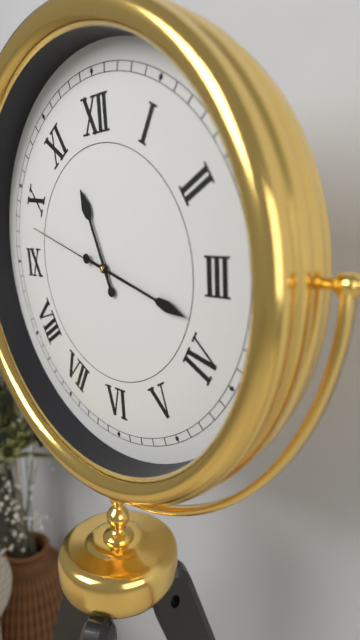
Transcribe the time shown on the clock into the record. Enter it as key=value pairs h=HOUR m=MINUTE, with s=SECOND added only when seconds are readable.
h=11 m=18 s=48
